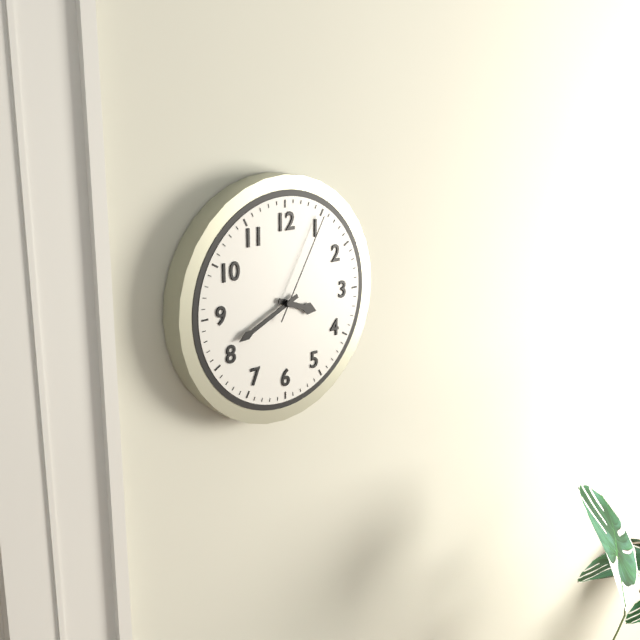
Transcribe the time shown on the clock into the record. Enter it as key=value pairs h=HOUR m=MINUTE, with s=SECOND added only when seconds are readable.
h=3 m=41 s=5
